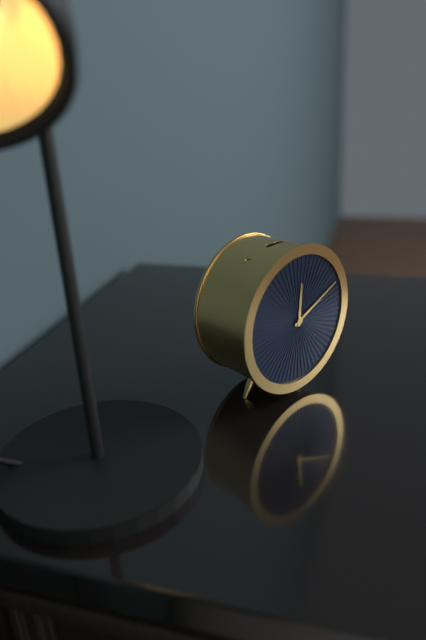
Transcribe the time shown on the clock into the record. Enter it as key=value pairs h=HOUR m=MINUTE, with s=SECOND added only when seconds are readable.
h=12 m=11
